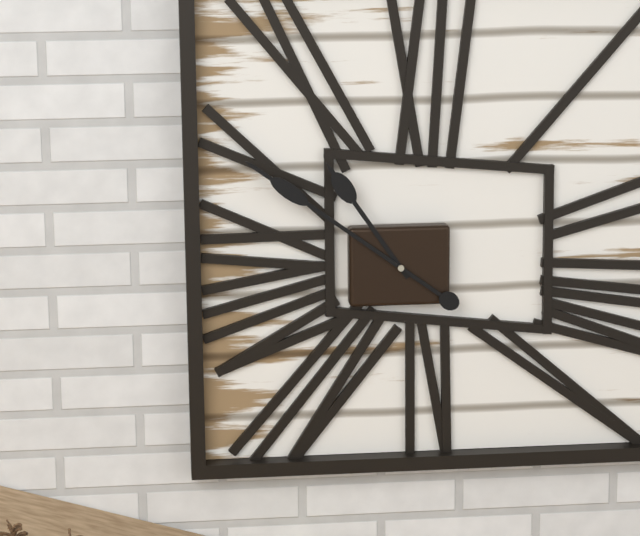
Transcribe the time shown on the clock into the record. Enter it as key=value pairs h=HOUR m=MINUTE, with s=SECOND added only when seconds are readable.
h=10 m=51
